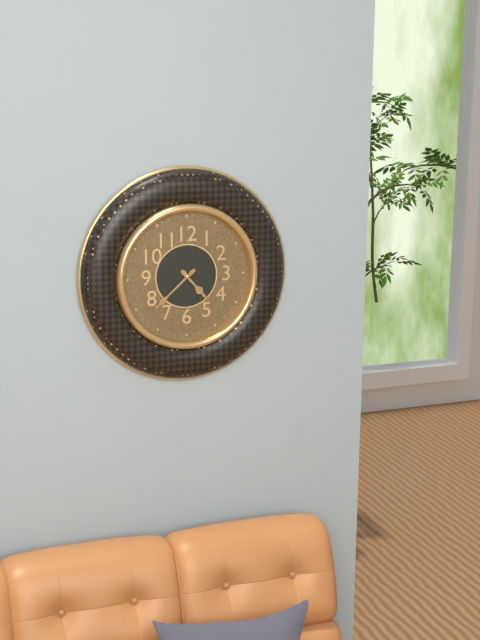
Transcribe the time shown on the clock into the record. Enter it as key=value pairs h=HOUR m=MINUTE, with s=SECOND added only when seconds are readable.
h=4 m=38
